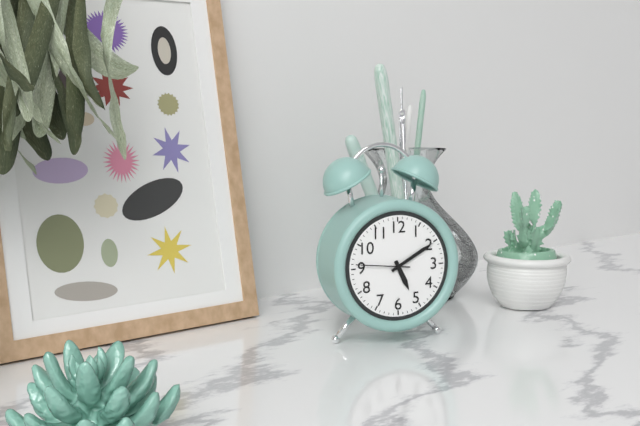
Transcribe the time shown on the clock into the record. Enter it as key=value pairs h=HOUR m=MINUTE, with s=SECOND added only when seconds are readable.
h=5 m=10 s=46
